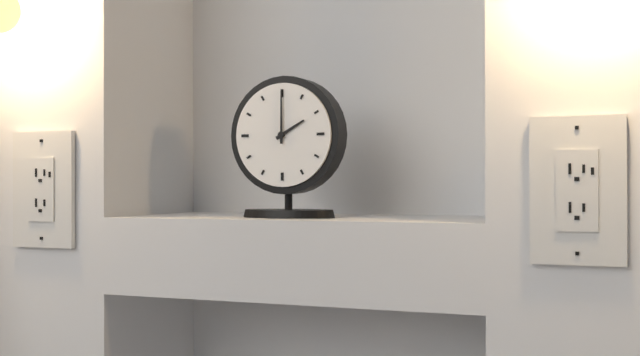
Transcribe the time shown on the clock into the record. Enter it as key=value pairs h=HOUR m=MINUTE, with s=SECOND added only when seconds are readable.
h=2 m=0
